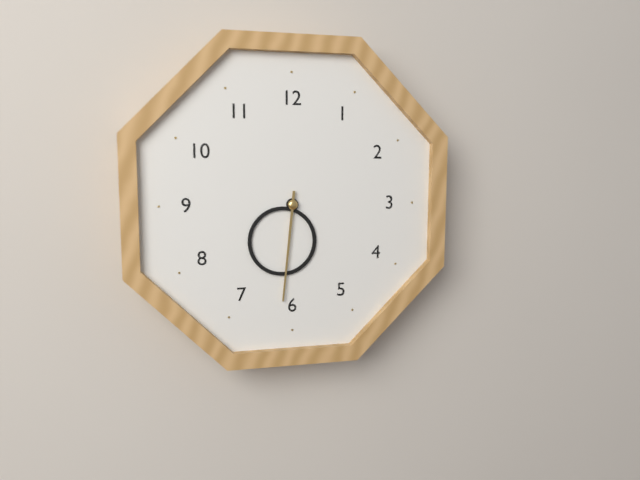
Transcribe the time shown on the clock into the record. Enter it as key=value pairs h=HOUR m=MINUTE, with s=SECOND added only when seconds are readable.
h=6 m=31
